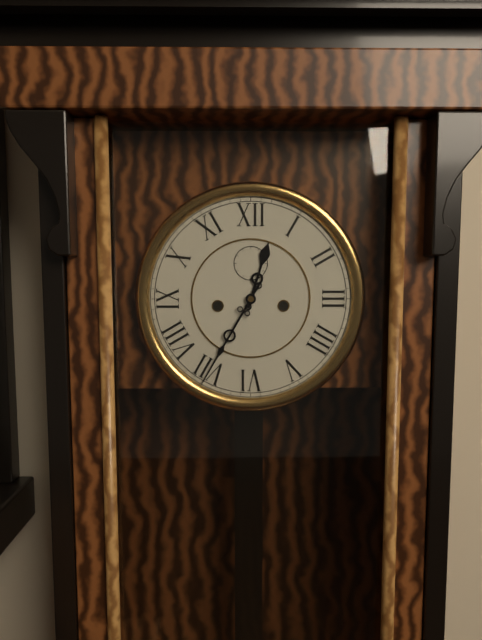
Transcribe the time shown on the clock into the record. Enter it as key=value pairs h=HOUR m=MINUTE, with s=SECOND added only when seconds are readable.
h=12 m=35
